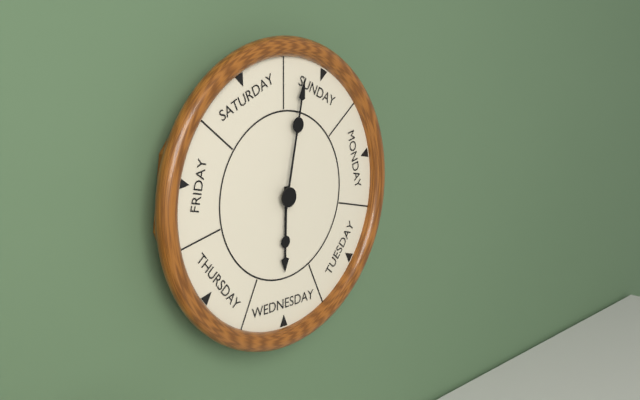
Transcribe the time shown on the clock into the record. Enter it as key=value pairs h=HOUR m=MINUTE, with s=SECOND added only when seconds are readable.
h=6 m=2
